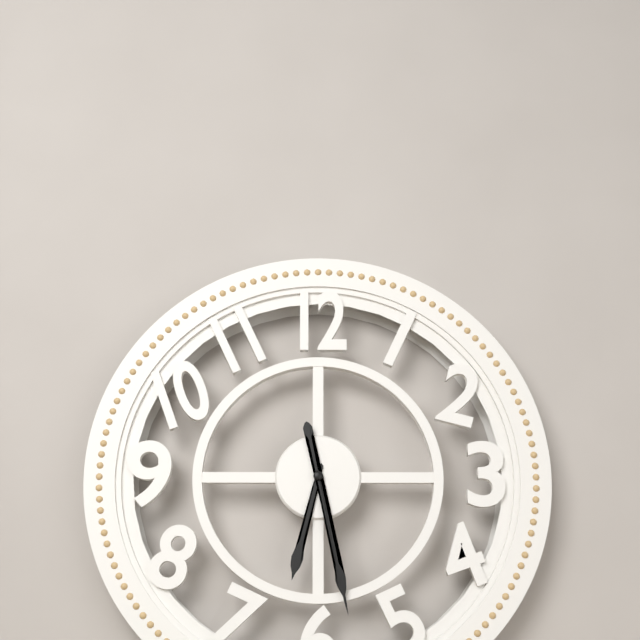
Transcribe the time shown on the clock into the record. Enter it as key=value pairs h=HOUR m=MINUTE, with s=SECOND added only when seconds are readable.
h=6 m=28
